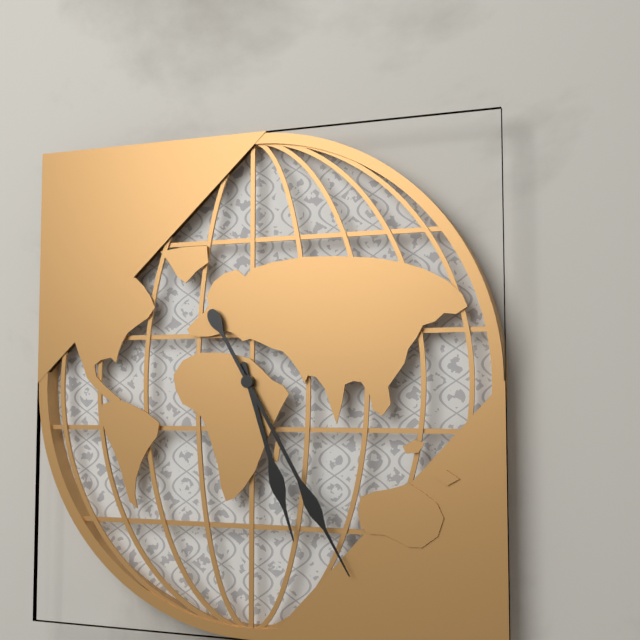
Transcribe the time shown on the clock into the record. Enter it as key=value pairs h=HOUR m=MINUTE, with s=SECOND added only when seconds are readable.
h=5 m=25
